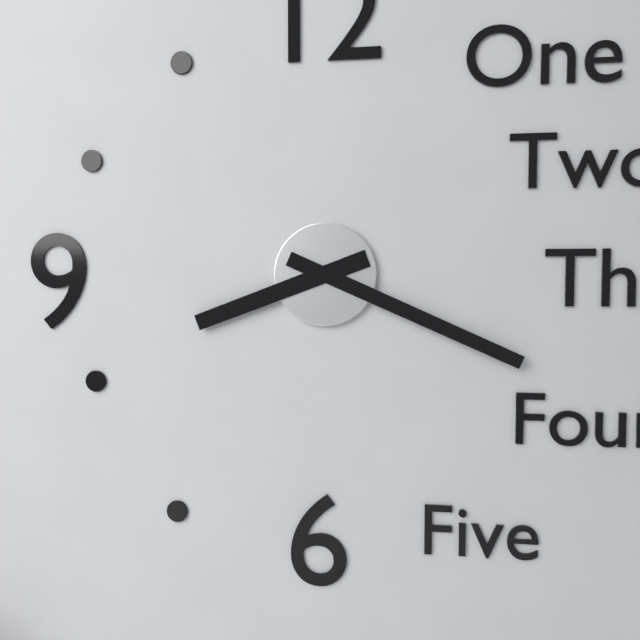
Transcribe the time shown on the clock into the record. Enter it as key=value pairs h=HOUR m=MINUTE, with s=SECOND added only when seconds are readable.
h=8 m=19
